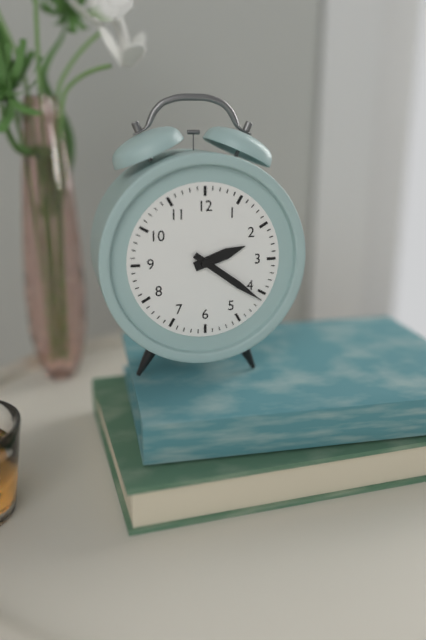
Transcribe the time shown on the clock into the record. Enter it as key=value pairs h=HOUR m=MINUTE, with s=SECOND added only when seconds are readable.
h=2 m=21
